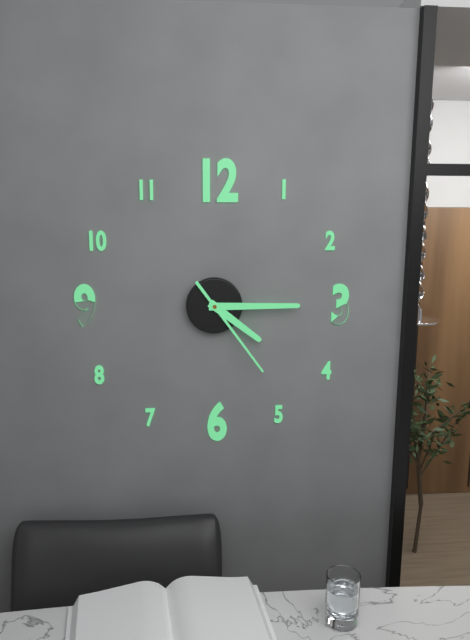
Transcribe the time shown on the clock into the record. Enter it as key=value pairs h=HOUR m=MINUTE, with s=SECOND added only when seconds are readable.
h=4 m=15 s=24
